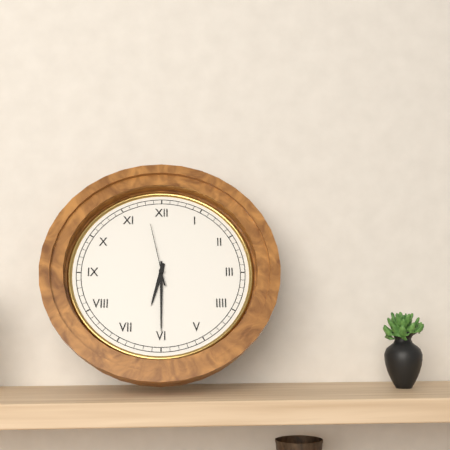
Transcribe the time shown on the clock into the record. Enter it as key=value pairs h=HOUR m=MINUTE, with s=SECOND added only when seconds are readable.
h=6 m=30 s=58
